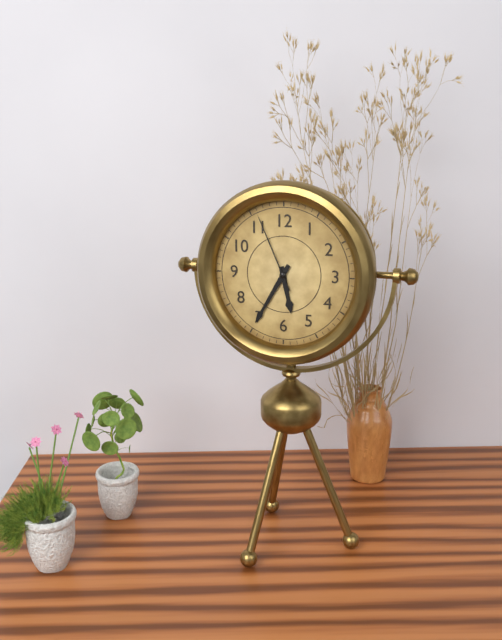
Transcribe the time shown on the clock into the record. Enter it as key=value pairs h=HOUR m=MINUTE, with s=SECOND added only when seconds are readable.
h=5 m=35 s=56
